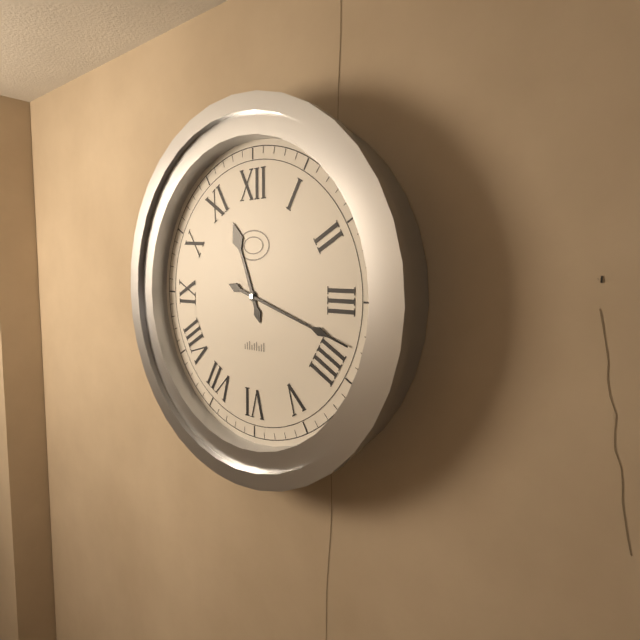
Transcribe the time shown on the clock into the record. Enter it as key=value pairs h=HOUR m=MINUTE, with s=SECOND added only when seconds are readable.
h=11 m=18
